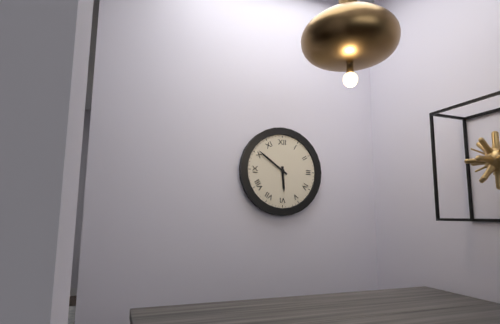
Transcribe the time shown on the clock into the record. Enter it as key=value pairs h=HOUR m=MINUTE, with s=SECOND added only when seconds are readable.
h=5 m=51
